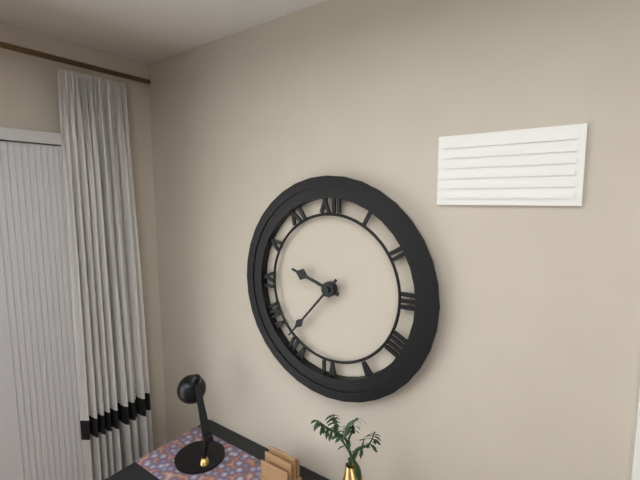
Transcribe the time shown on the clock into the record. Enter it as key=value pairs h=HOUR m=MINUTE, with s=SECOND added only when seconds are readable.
h=9 m=37
